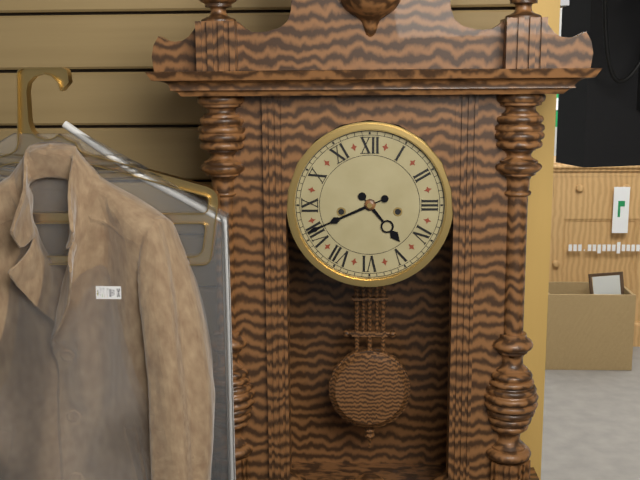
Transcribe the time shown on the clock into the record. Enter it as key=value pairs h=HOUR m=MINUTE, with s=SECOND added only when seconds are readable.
h=4 m=41
